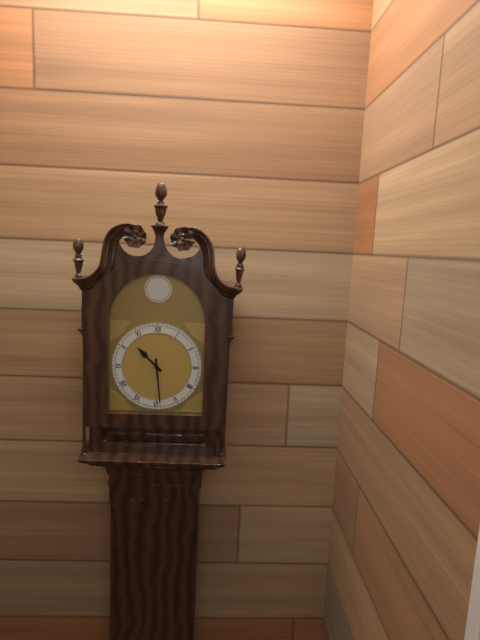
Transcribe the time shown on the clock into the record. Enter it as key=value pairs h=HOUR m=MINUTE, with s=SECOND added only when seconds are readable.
h=10 m=29
